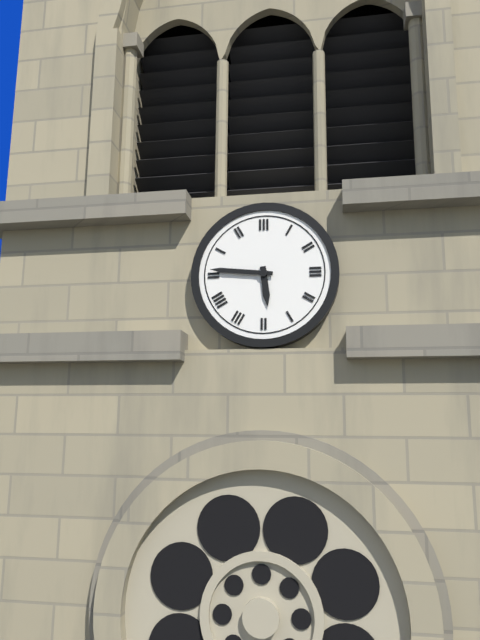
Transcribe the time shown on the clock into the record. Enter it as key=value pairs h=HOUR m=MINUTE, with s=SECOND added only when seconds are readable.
h=5 m=46
